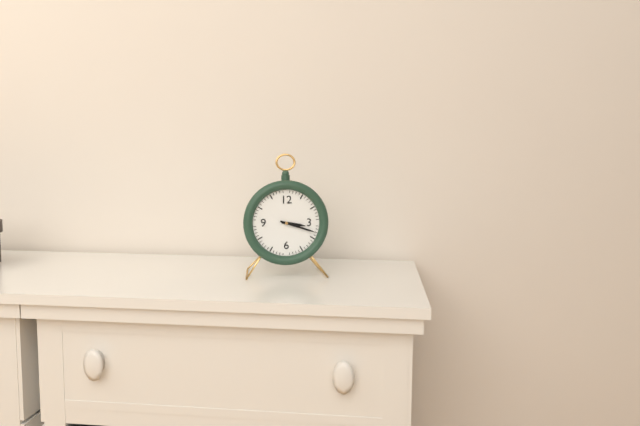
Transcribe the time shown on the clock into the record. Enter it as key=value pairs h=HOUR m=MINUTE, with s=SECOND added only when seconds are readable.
h=3 m=18
